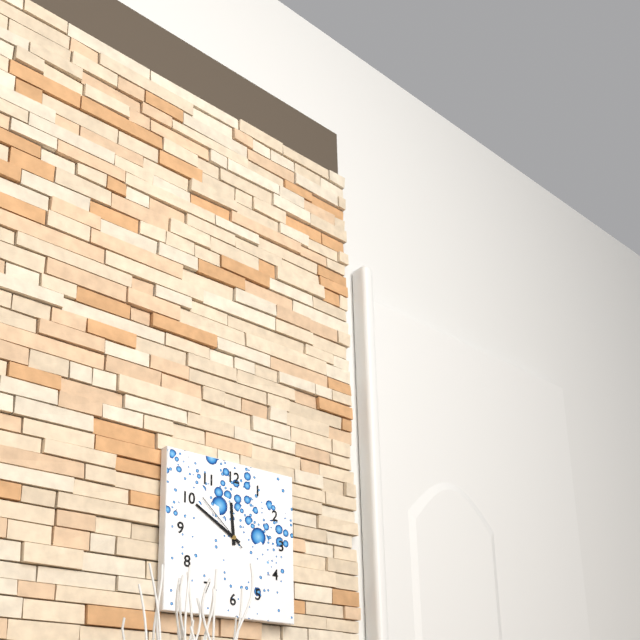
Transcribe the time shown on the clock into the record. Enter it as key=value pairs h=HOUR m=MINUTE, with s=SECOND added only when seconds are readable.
h=11 m=50 s=52
